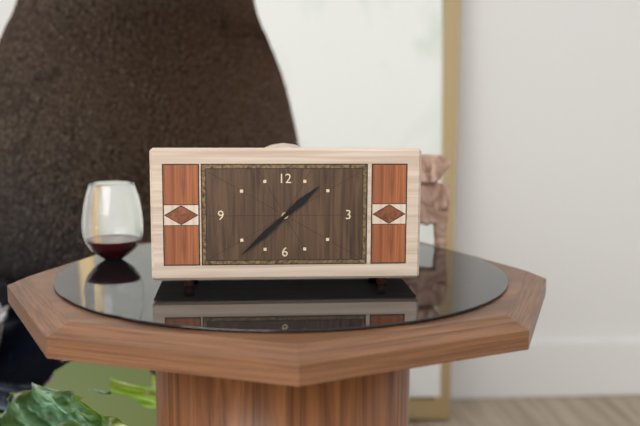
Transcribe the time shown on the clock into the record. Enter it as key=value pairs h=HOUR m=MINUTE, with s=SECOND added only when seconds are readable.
h=1 m=38
